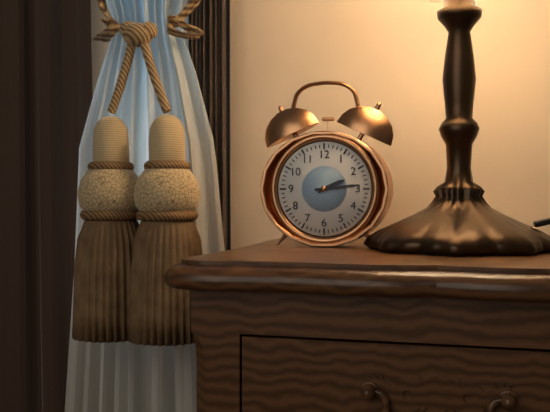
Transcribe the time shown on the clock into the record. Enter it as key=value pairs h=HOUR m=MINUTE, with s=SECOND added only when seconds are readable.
h=2 m=14
